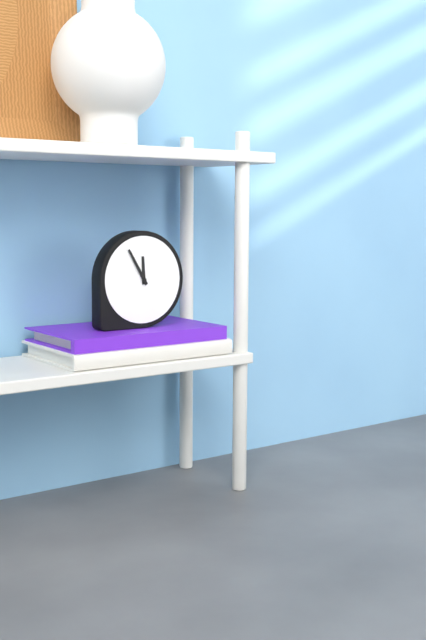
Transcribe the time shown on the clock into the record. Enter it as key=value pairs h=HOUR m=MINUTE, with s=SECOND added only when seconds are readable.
h=11 m=55
